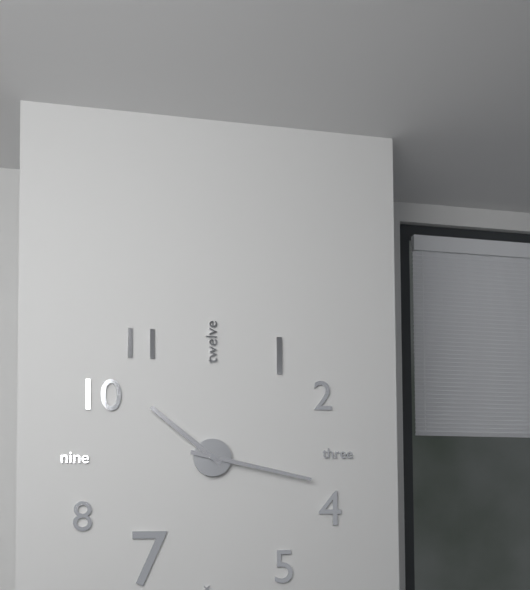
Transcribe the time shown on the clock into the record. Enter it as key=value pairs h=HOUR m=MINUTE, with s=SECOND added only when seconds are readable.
h=10 m=17
